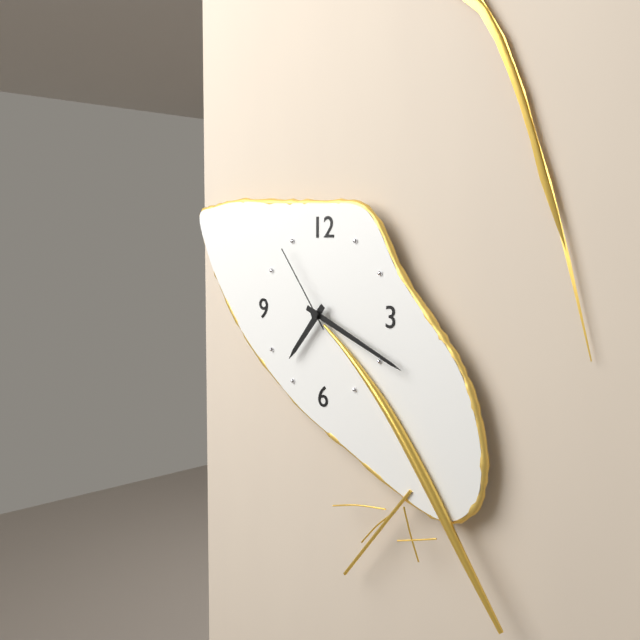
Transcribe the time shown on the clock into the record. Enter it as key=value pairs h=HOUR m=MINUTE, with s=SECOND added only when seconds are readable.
h=7 m=19 s=54
